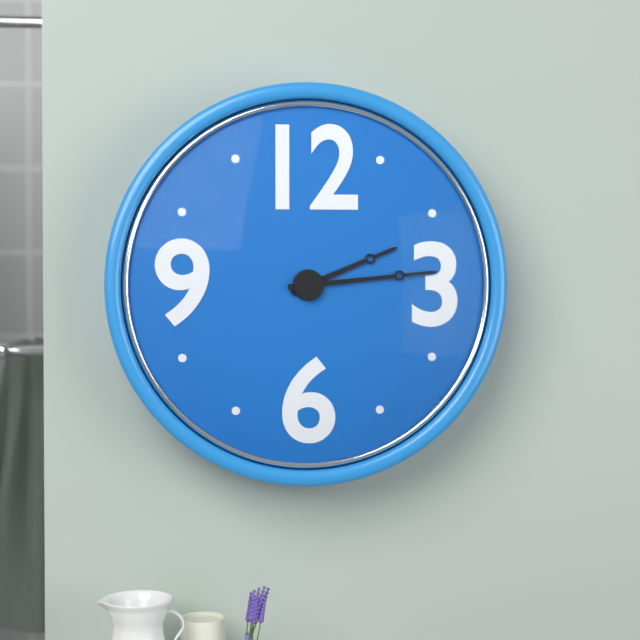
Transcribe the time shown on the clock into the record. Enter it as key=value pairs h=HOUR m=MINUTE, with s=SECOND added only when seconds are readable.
h=2 m=14
